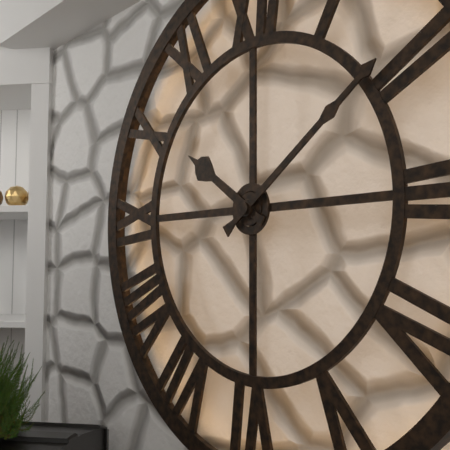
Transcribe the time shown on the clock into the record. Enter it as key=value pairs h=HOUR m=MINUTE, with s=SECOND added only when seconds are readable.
h=10 m=9
